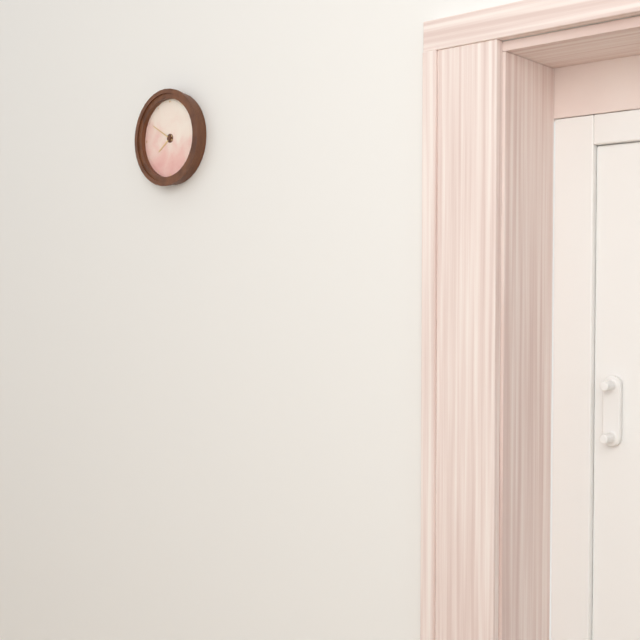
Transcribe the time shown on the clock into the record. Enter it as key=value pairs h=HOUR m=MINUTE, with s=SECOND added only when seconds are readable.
h=7 m=50
